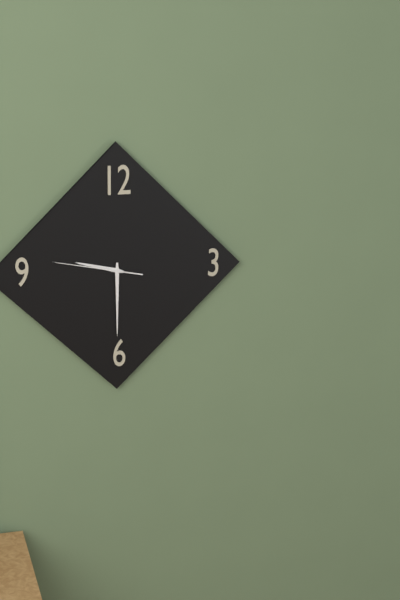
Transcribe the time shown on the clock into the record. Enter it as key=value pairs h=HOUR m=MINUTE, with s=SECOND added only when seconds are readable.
h=9 m=30 s=47
